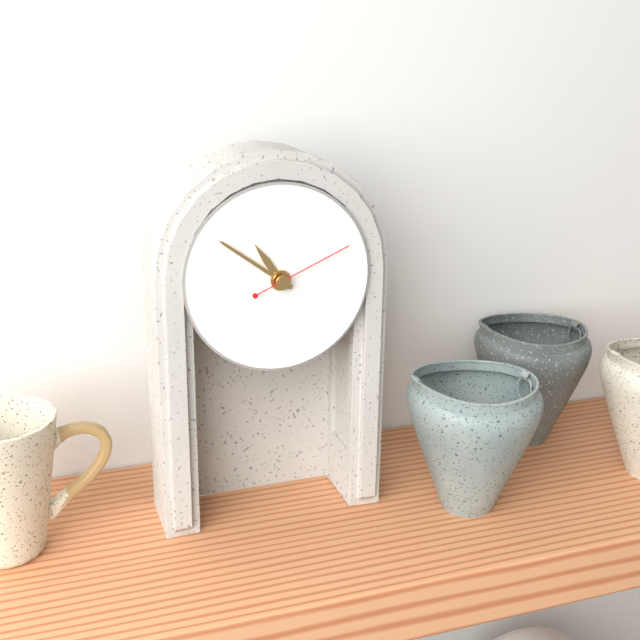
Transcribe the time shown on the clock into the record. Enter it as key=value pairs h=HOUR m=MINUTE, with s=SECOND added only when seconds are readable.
h=10 m=51 s=11
